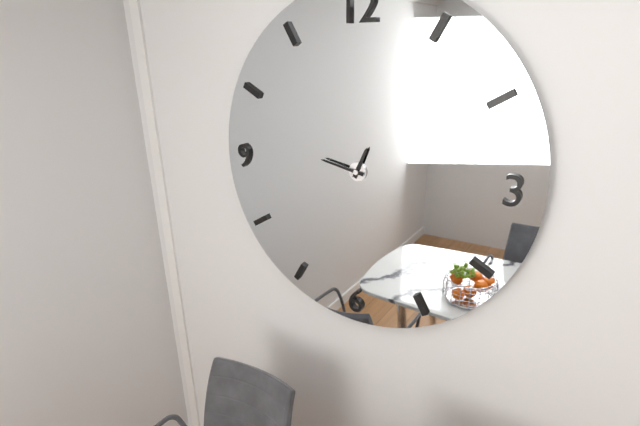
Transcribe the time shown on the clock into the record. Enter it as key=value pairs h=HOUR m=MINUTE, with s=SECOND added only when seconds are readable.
h=12 m=47
